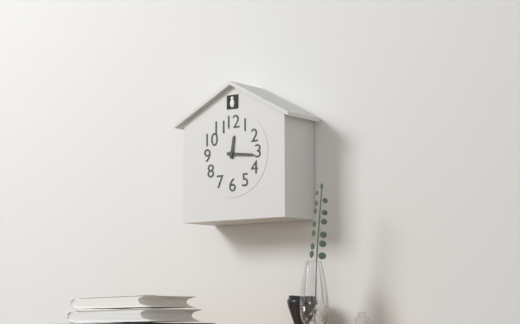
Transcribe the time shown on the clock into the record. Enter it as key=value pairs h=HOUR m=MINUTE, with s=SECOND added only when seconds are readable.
h=12 m=16
